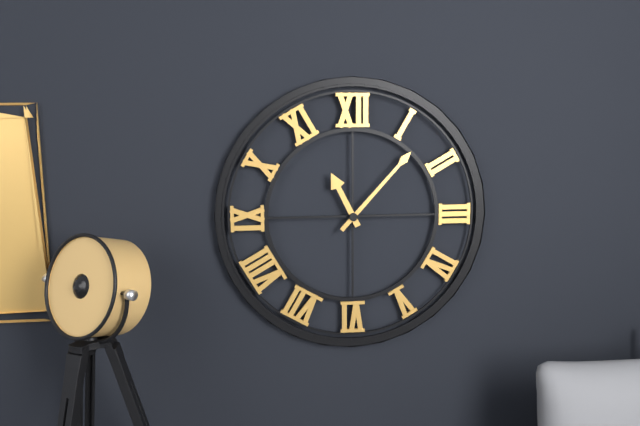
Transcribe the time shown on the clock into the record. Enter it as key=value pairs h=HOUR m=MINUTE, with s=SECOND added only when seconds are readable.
h=11 m=7
